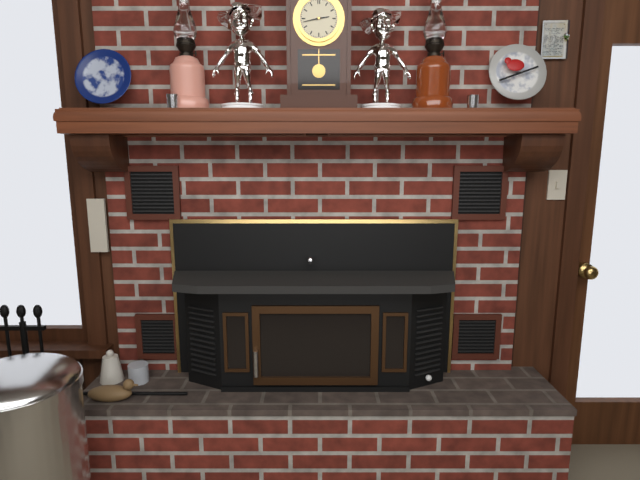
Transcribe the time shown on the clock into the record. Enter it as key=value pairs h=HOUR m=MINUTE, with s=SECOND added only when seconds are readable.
h=2 m=43
